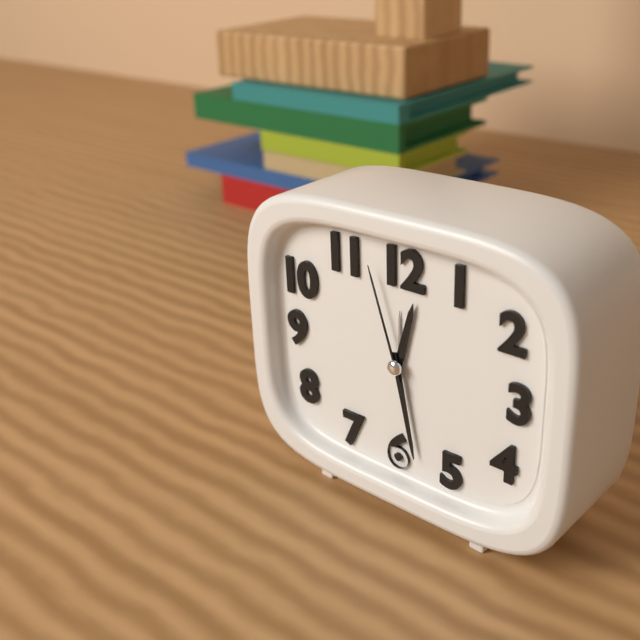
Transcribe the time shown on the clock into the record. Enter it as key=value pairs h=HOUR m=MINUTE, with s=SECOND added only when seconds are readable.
h=12 m=28 s=57
